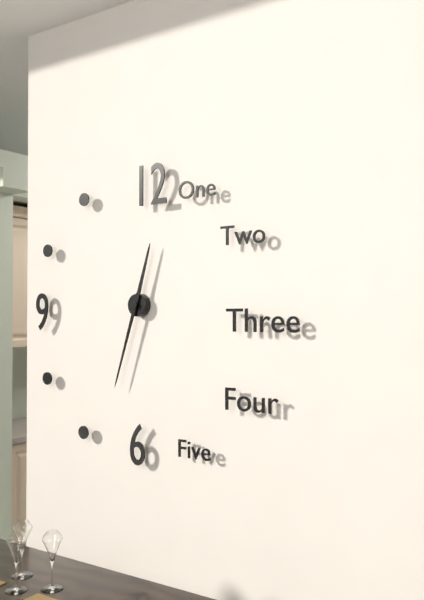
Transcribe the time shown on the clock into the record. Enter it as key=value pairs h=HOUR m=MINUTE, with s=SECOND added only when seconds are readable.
h=12 m=33
